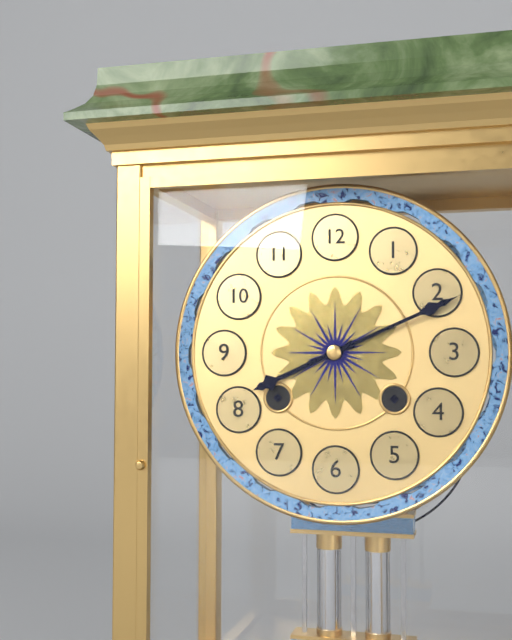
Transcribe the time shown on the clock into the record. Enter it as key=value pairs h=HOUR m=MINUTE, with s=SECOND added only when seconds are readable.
h=8 m=11
